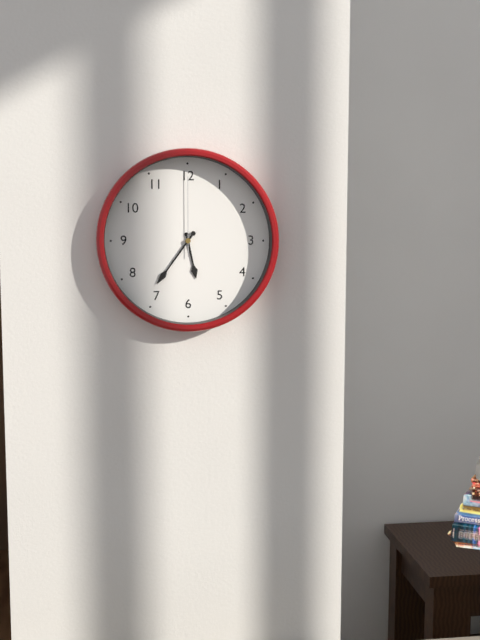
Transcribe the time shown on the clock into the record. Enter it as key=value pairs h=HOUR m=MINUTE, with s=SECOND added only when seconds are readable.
h=5 m=36 s=0
